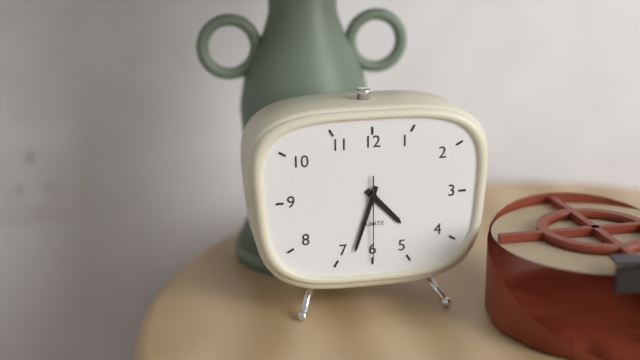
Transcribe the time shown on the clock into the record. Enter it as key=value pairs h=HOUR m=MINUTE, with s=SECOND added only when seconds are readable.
h=4 m=33 s=30
